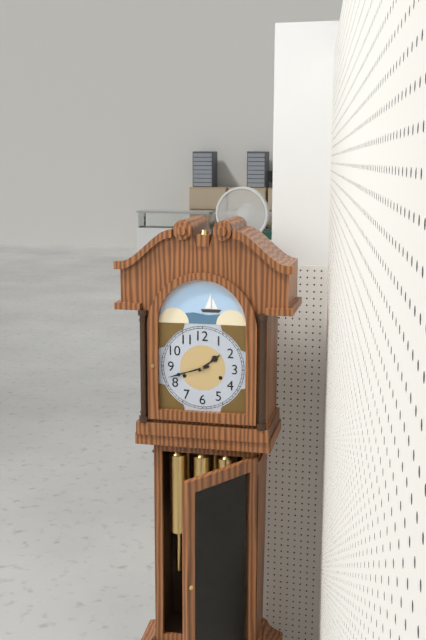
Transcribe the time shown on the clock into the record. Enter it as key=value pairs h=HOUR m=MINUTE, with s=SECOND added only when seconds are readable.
h=1 m=42
